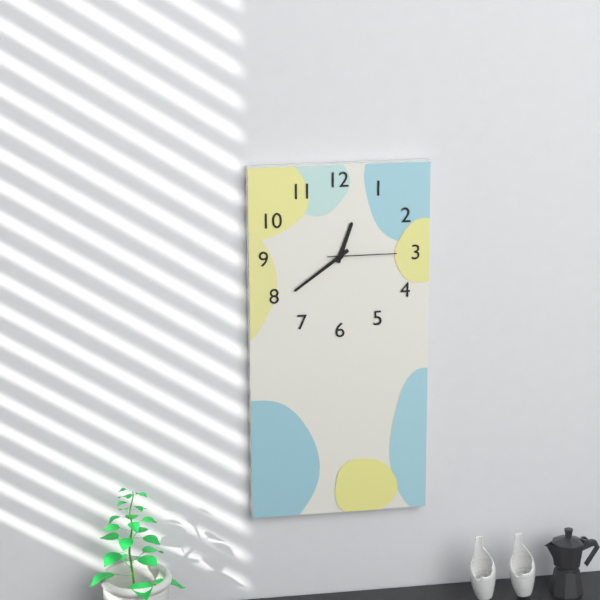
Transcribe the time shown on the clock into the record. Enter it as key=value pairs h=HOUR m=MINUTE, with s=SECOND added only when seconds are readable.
h=12 m=39 s=15
